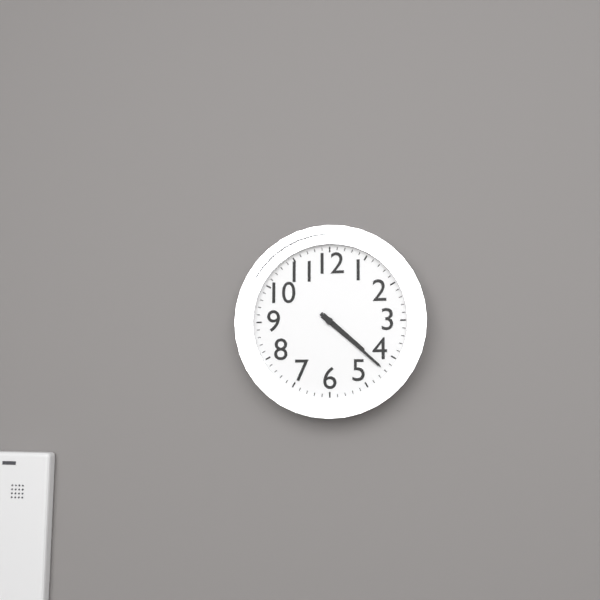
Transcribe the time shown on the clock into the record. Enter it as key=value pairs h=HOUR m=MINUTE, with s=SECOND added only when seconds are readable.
h=4 m=22
